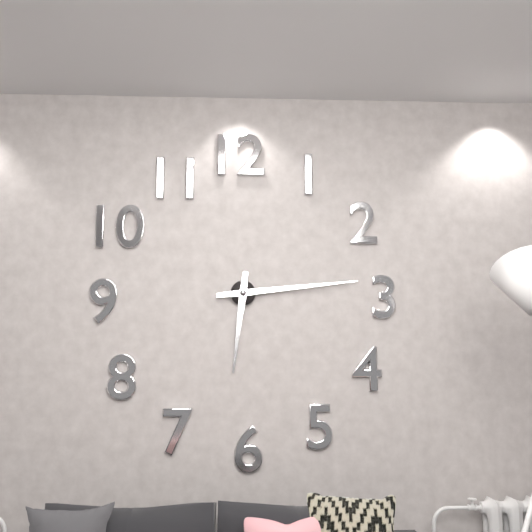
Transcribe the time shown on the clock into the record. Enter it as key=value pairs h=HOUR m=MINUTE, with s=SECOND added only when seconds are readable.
h=6 m=14
